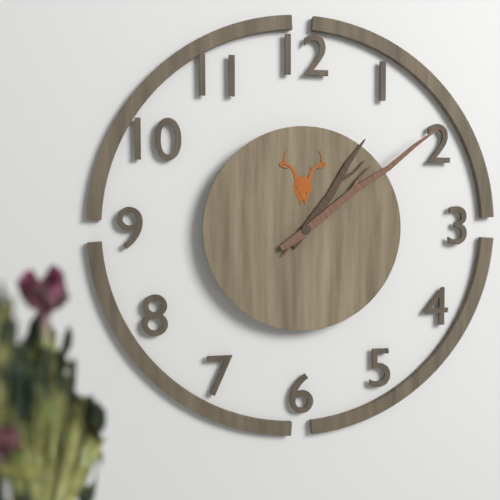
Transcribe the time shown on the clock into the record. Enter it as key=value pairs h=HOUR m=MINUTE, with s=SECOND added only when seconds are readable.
h=1 m=9
